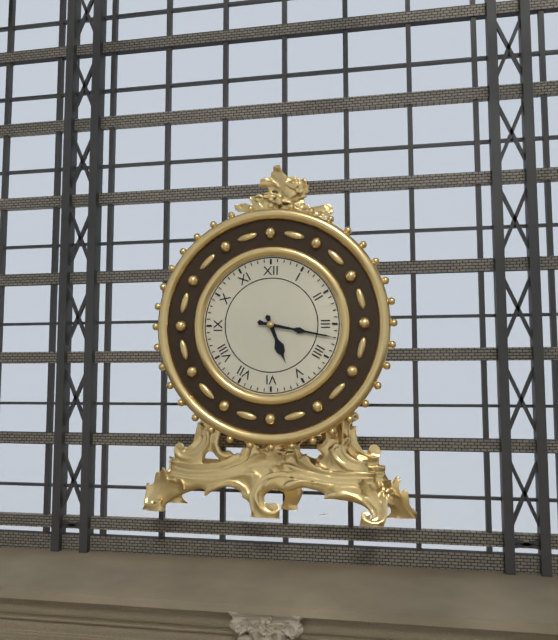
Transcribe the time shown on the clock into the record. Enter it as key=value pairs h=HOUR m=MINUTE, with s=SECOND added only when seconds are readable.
h=5 m=17
